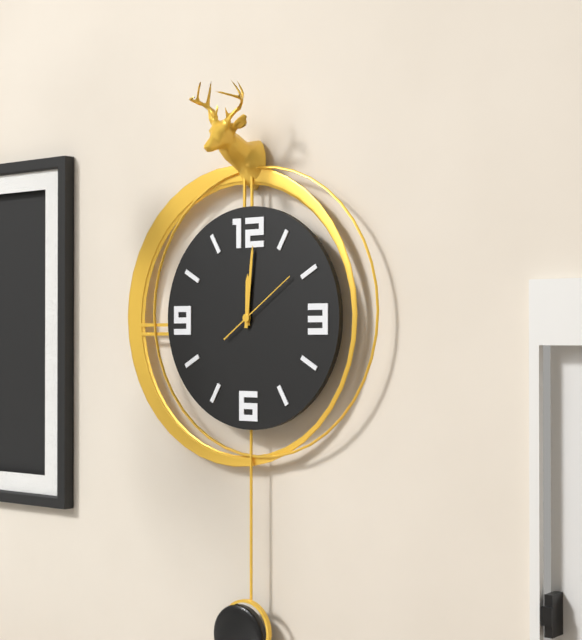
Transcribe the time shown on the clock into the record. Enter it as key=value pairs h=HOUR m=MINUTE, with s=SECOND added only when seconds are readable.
h=12 m=1 s=9
